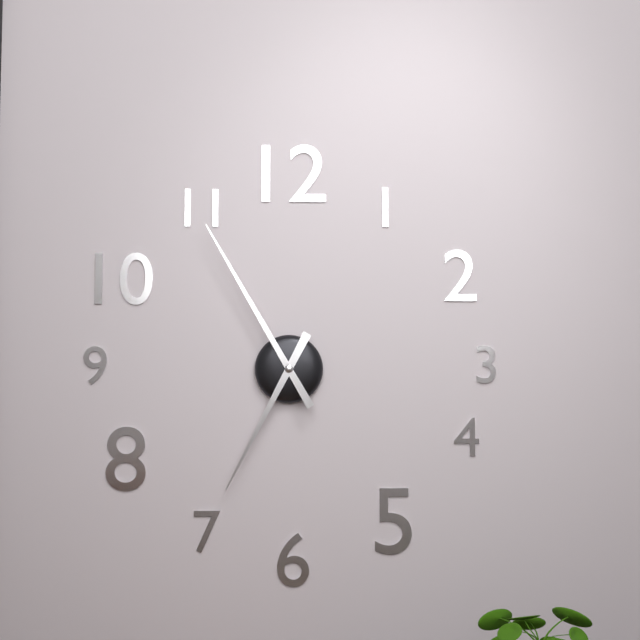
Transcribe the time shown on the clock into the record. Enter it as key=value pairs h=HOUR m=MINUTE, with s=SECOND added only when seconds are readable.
h=6 m=55
